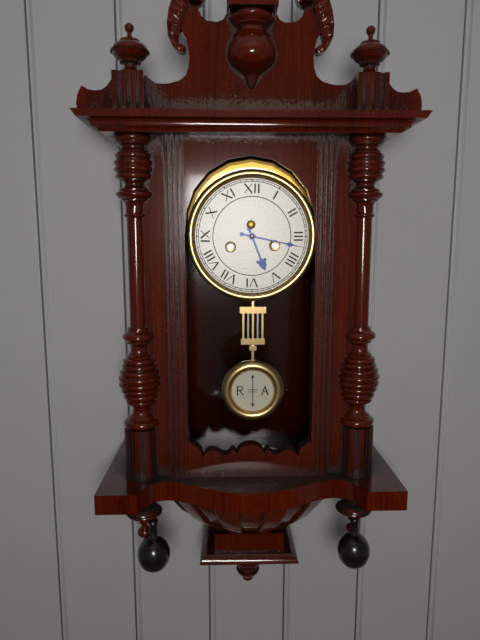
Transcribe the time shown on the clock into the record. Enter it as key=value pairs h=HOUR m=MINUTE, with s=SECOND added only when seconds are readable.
h=5 m=17
